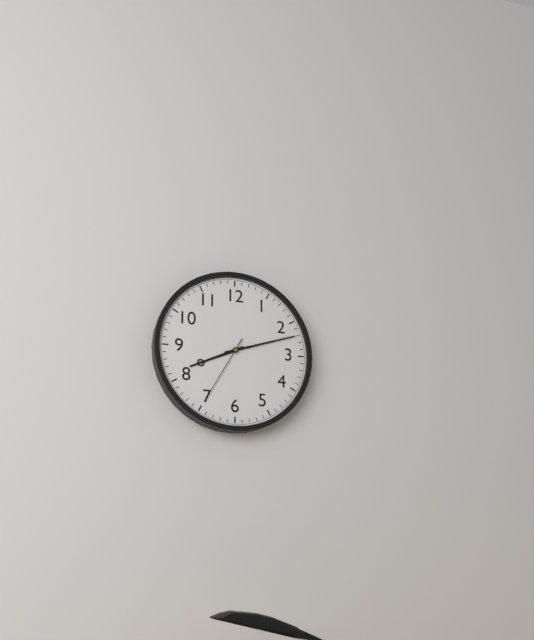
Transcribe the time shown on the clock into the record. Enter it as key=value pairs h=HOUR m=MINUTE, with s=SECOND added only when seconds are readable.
h=8 m=12 s=35
